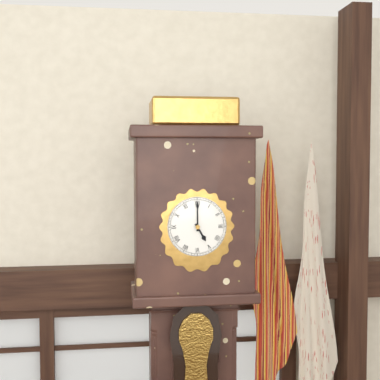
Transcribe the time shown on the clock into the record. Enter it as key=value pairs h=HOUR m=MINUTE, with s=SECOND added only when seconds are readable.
h=5 m=0
